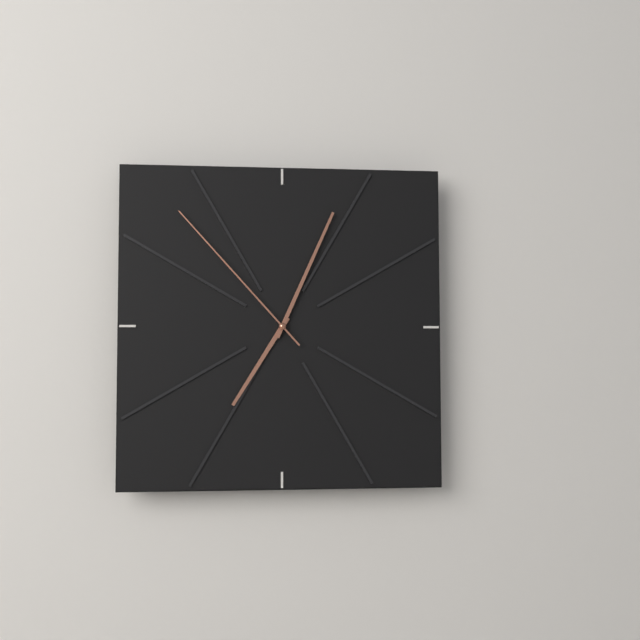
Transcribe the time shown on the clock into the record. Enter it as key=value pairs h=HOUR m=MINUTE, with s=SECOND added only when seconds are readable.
h=7 m=4 s=53
